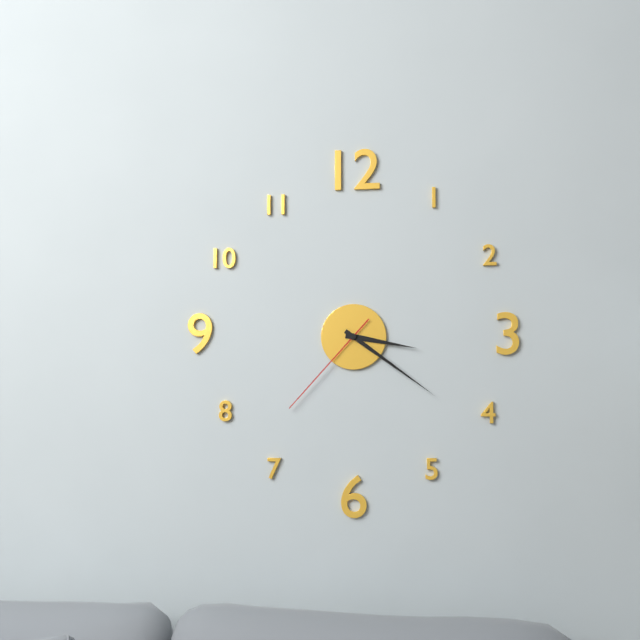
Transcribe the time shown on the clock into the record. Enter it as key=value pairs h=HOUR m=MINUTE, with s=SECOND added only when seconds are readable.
h=3 m=21 s=37
